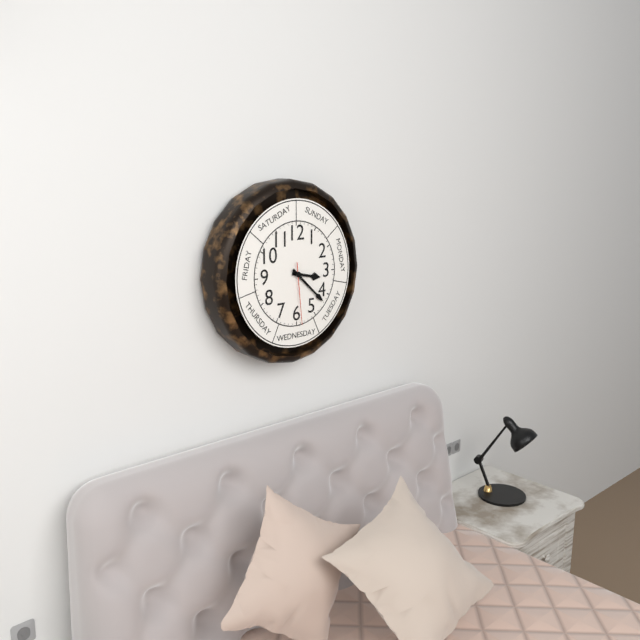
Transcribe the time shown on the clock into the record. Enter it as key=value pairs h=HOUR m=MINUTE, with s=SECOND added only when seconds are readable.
h=3 m=22 s=29
